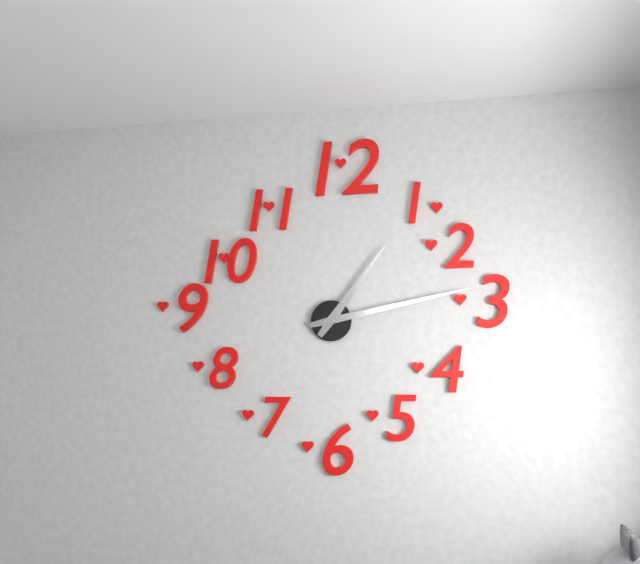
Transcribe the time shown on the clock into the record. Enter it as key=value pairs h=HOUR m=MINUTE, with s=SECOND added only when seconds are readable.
h=1 m=13
